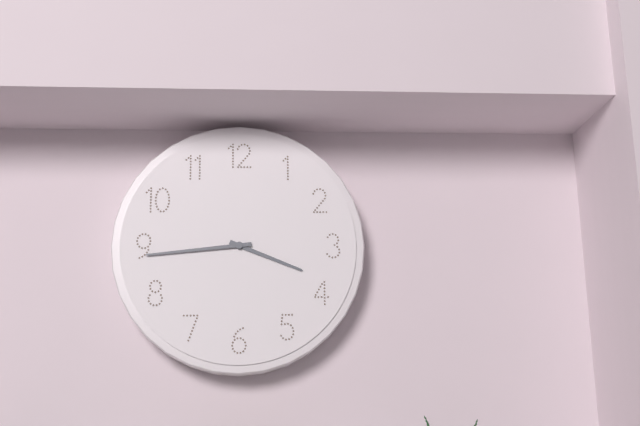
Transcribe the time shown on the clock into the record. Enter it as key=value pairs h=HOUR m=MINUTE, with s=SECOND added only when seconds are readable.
h=3 m=44
